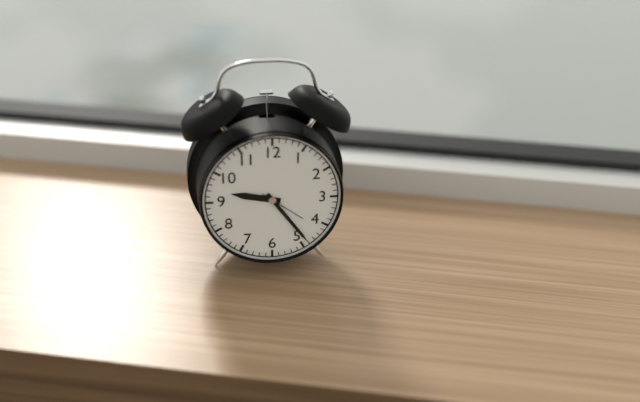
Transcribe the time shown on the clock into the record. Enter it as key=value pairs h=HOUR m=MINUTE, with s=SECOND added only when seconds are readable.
h=9 m=24 s=21
